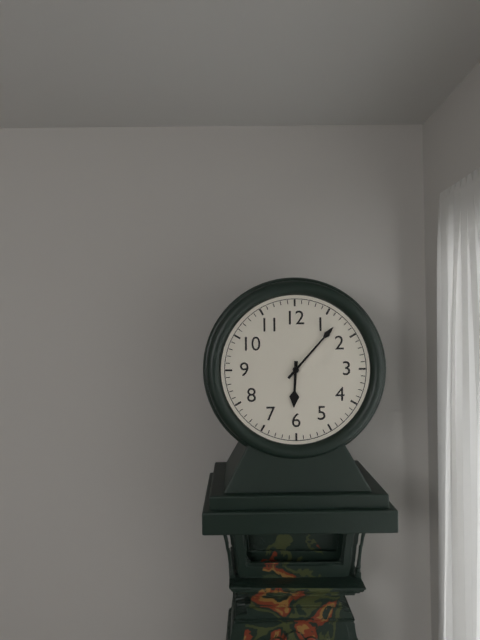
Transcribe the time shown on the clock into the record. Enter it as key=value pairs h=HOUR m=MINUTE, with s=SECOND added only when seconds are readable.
h=6 m=7
